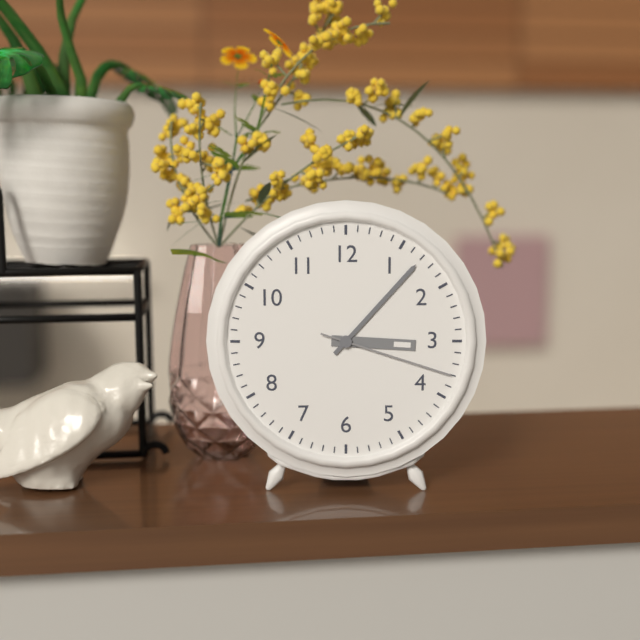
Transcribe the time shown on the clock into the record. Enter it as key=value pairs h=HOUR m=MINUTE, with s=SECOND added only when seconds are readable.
h=3 m=7 s=18
